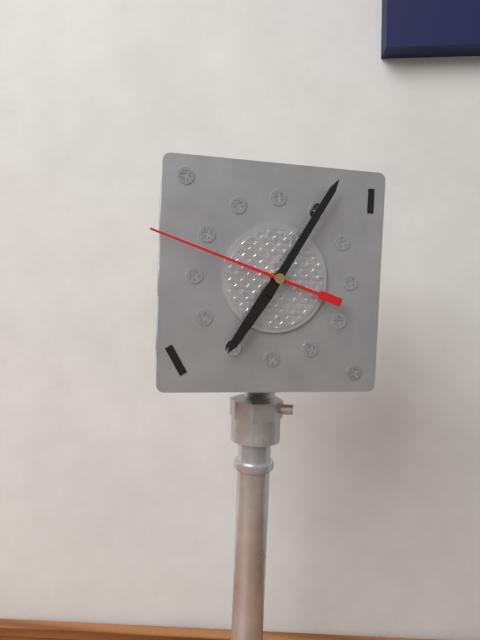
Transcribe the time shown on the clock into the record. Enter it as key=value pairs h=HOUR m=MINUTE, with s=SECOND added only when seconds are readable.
h=7 m=5 s=48
